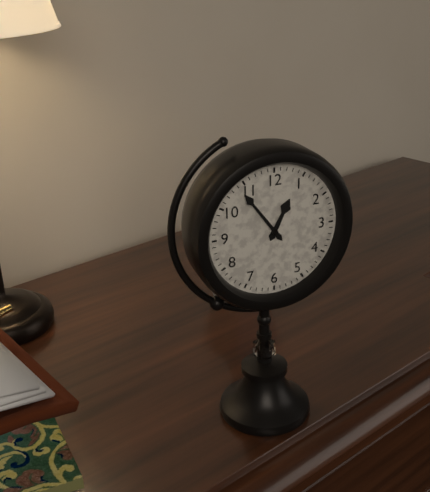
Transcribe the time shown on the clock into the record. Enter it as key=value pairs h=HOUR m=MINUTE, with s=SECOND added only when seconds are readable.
h=12 m=54
